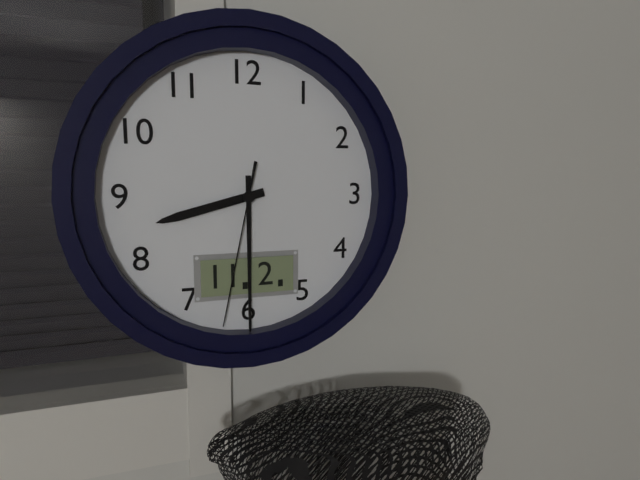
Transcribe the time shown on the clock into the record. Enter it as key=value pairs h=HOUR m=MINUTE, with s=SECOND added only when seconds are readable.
h=8 m=30 s=32
